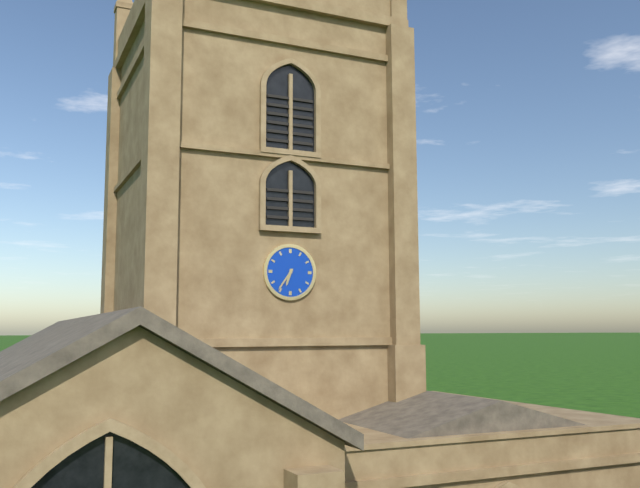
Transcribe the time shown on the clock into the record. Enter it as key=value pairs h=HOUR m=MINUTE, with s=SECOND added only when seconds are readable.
h=6 m=36
